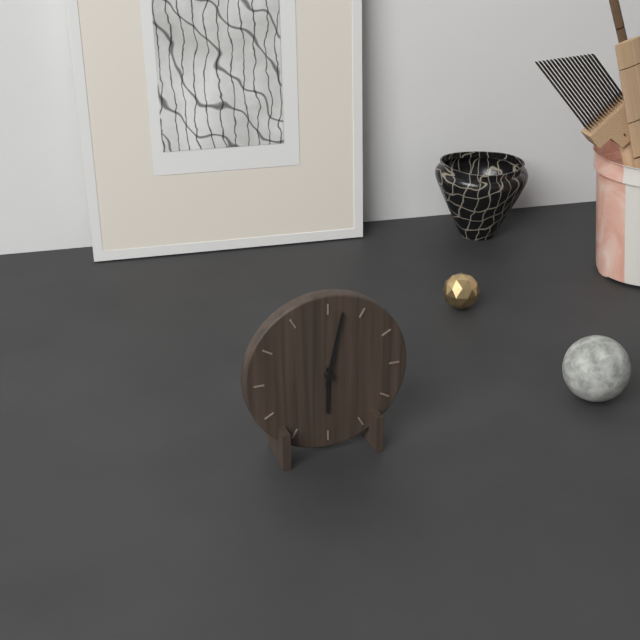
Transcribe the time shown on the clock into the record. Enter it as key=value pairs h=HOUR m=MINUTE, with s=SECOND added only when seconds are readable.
h=6 m=2
